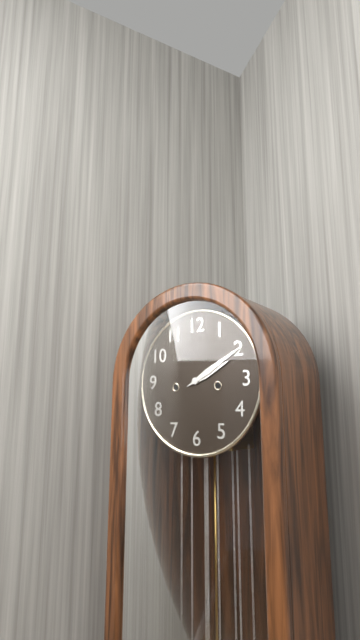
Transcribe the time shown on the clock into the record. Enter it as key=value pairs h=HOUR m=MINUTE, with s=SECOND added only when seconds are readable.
h=2 m=10
